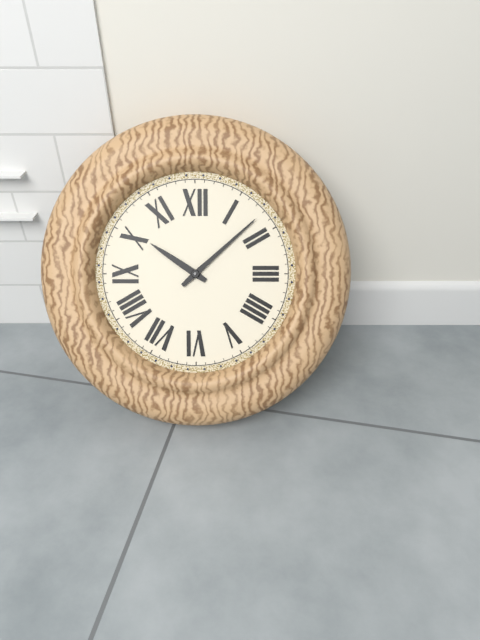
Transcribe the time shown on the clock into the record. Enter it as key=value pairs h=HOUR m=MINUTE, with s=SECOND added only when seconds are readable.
h=10 m=8
